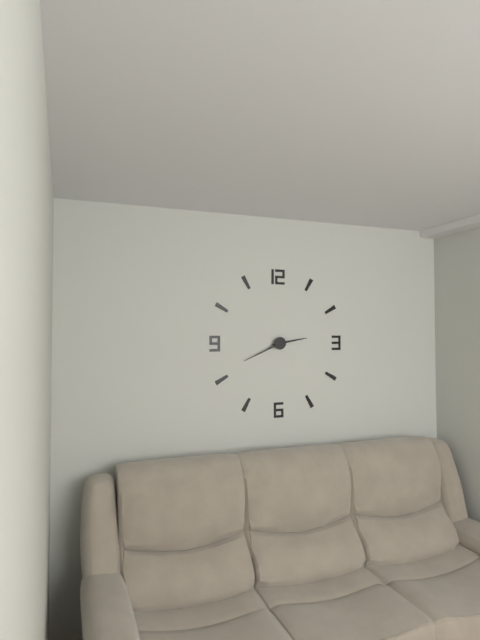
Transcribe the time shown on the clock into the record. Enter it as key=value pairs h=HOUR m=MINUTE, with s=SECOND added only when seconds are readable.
h=2 m=41
